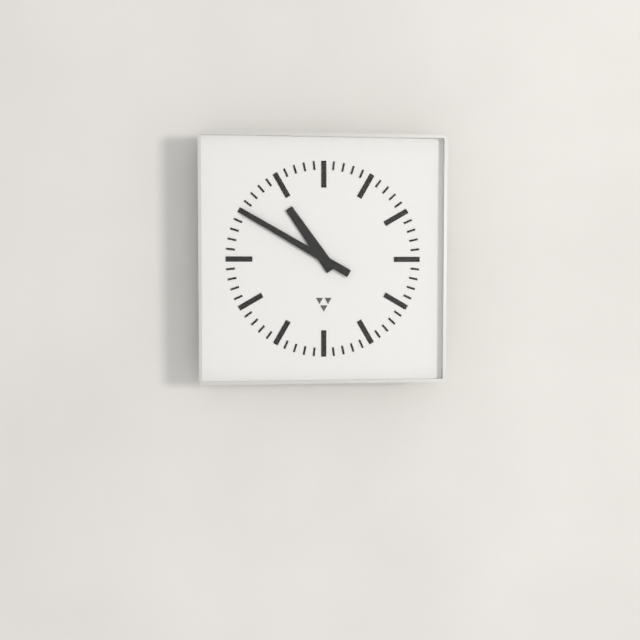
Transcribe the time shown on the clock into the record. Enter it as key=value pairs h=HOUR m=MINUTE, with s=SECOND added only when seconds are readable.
h=10 m=50
